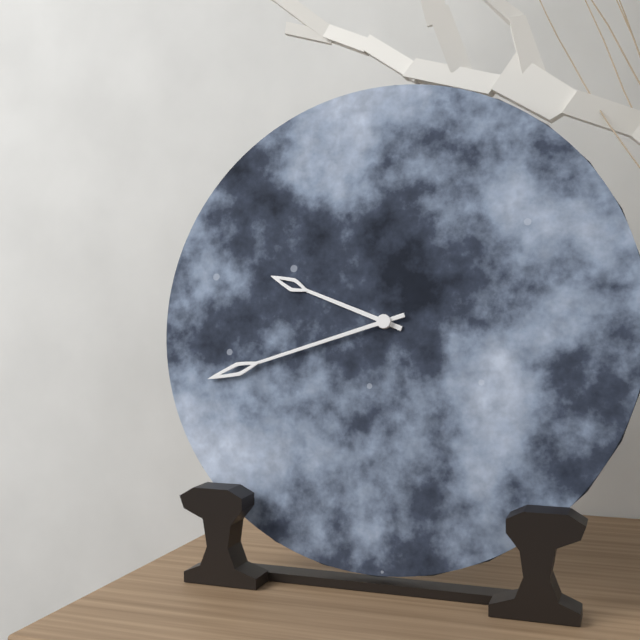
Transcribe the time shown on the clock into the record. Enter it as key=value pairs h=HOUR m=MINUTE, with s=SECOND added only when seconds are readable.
h=9 m=42
